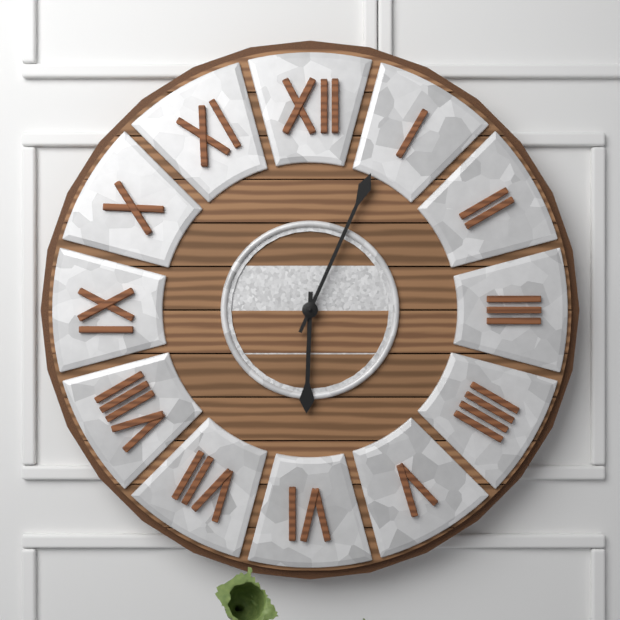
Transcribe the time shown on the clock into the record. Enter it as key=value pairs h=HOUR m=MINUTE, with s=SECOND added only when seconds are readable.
h=6 m=4
